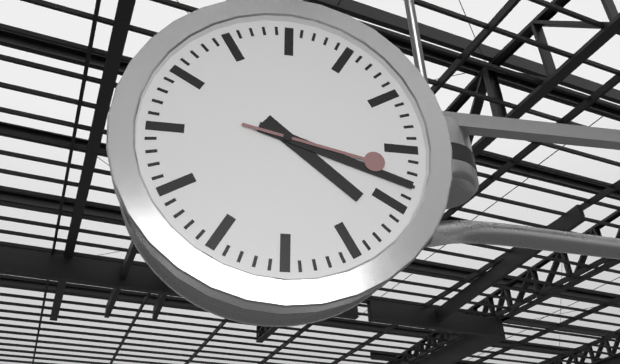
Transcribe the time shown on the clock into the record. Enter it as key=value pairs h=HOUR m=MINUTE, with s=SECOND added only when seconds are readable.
h=4 m=18 s=17
